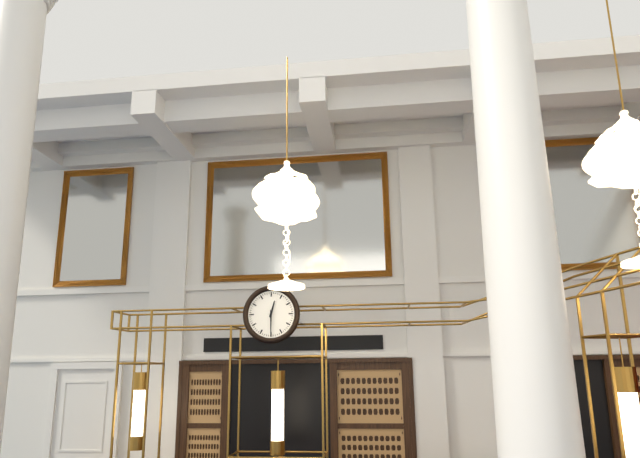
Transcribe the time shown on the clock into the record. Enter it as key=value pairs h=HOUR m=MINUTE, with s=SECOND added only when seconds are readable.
h=12 m=30
